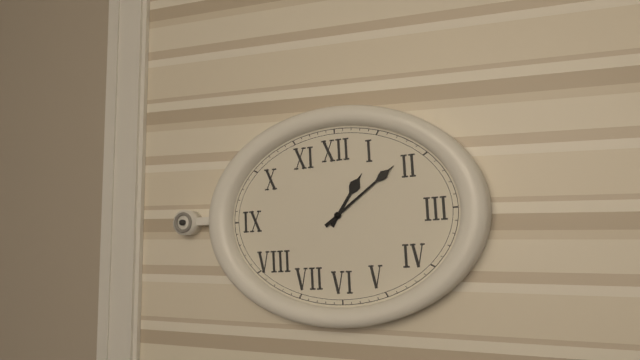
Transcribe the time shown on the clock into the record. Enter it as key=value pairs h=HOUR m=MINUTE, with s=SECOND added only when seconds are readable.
h=1 m=9
